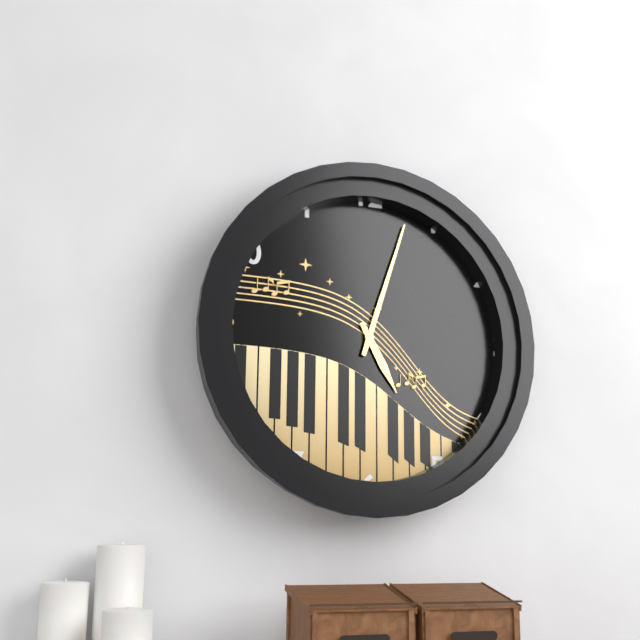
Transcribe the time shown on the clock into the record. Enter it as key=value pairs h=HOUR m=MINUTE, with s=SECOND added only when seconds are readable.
h=5 m=3
